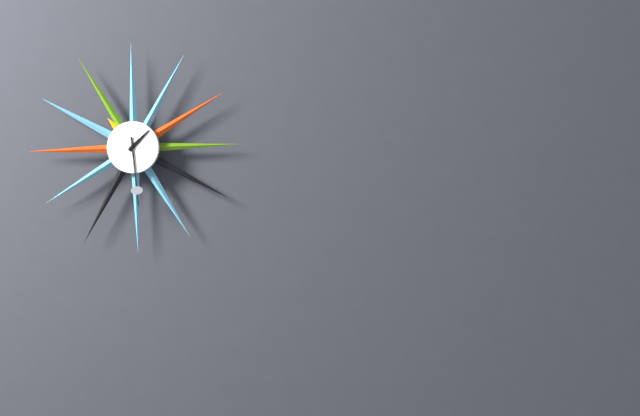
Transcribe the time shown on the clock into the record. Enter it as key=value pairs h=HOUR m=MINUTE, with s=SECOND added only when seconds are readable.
h=1 m=29
